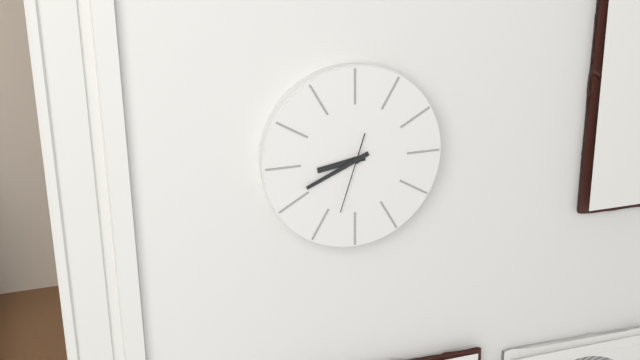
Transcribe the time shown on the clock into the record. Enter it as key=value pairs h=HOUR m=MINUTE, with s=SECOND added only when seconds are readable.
h=8 m=41 s=33
